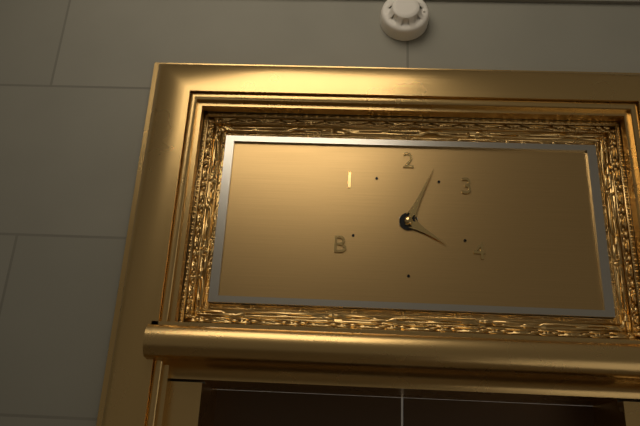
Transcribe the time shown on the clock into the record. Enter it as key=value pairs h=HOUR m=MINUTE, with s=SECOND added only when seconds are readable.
h=4 m=4
